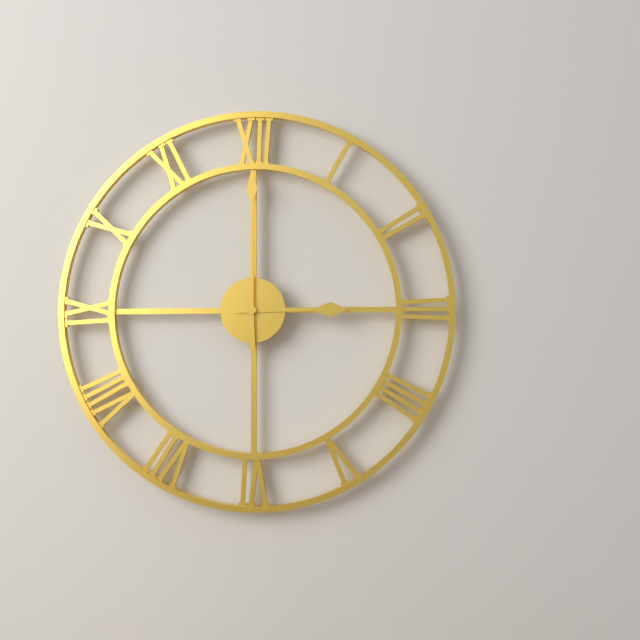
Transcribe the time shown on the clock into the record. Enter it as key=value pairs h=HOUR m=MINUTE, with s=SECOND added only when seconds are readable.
h=3 m=0
